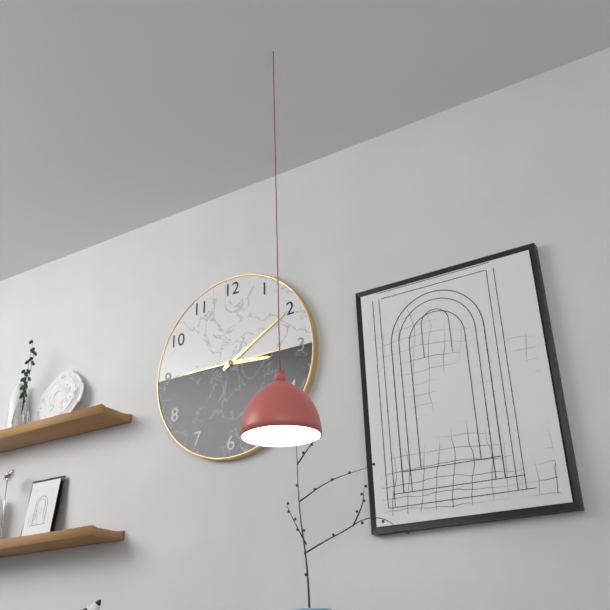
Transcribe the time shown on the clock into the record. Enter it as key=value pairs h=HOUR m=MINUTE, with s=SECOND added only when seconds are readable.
h=3 m=10 s=15
